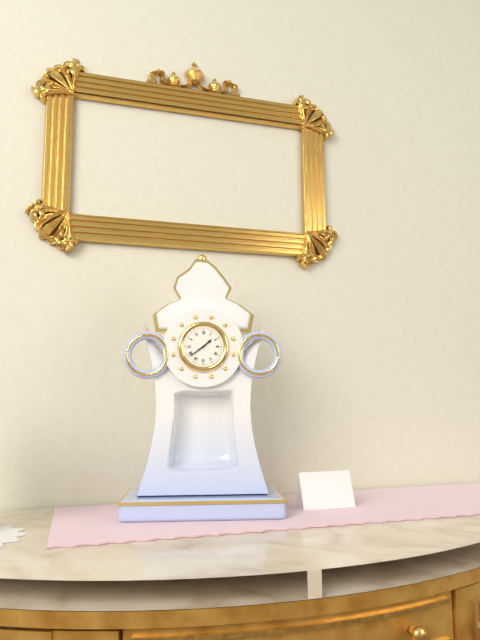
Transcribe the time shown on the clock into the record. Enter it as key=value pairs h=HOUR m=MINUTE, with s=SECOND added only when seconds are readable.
h=1 m=39
